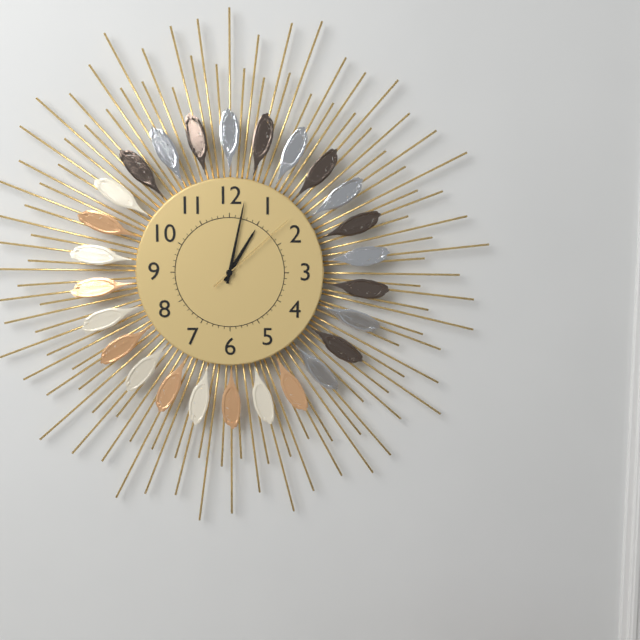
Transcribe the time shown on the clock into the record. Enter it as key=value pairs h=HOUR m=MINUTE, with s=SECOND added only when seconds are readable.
h=1 m=2 s=8
